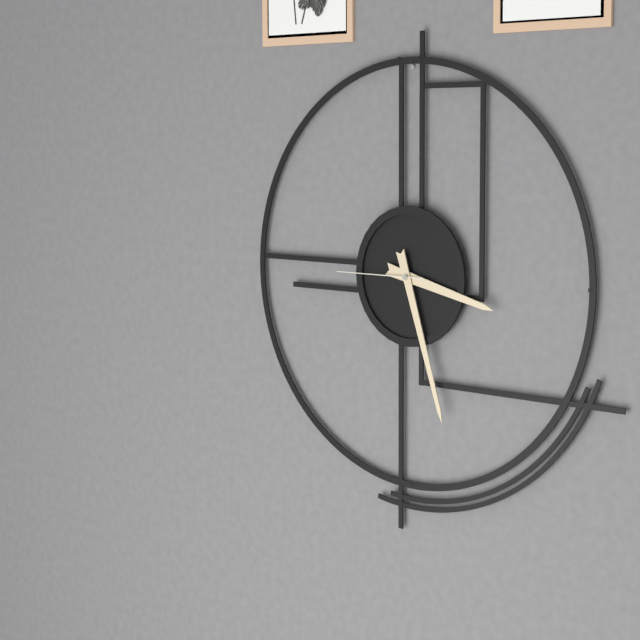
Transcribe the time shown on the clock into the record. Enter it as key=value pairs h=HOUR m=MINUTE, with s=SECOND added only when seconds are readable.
h=3 m=27 s=45
